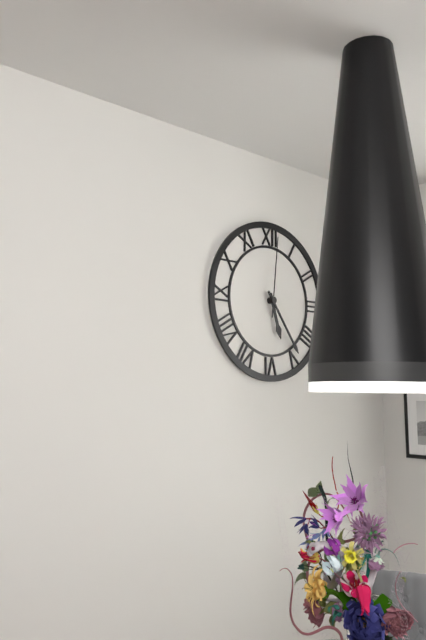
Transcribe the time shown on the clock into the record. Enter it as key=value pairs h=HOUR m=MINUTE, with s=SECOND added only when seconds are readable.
h=5 m=24 s=1
